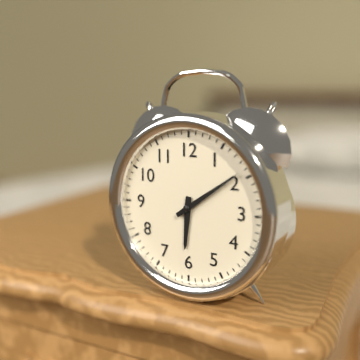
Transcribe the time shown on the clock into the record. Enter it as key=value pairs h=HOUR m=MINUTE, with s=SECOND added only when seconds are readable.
h=6 m=9
